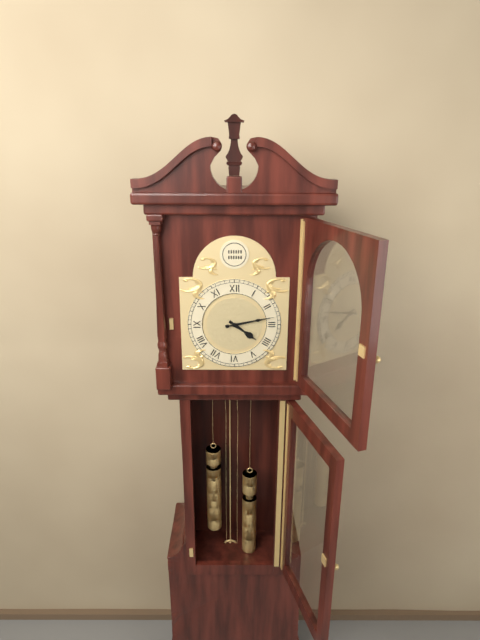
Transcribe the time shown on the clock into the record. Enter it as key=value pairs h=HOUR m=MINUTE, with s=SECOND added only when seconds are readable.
h=4 m=13
